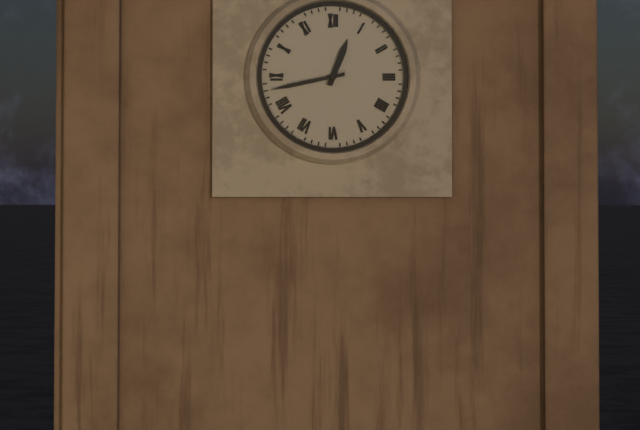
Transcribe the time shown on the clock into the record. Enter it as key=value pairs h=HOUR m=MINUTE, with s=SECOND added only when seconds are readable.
h=12 m=43
